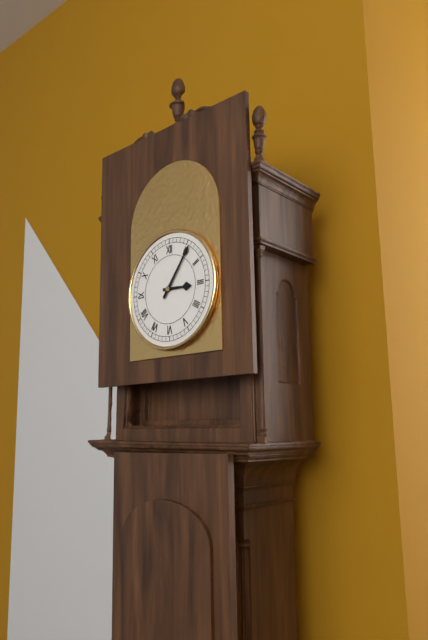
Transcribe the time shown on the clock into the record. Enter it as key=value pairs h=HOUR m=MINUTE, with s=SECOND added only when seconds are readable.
h=3 m=6
